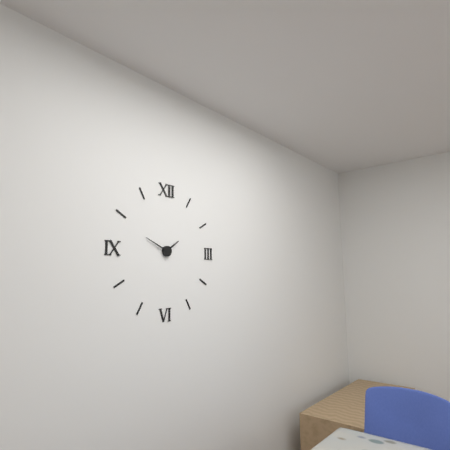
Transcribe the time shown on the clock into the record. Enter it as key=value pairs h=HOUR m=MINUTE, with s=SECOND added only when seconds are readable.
h=1 m=49
